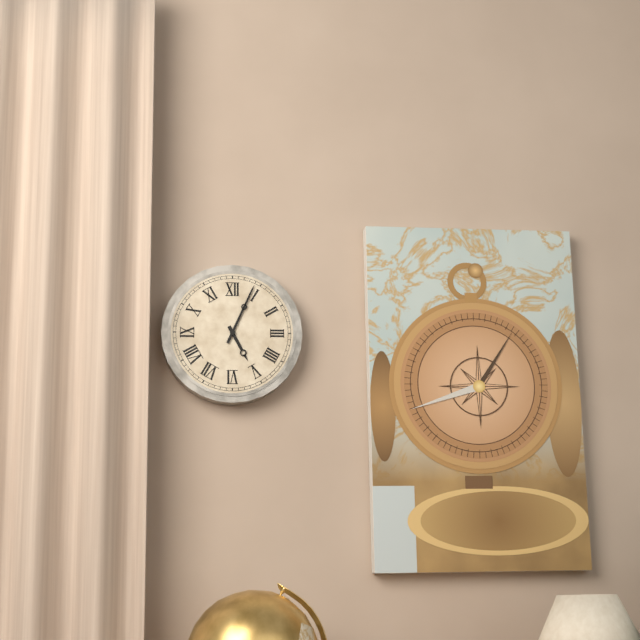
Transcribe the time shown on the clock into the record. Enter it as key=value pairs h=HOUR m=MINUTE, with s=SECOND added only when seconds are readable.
h=5 m=4
